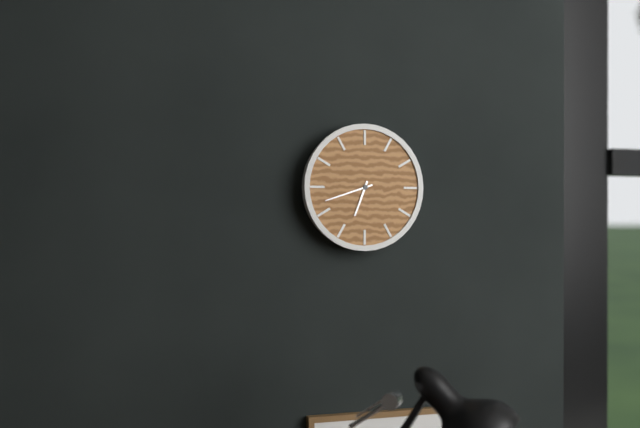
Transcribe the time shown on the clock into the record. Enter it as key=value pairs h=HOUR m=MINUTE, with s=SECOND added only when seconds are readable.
h=6 m=42
